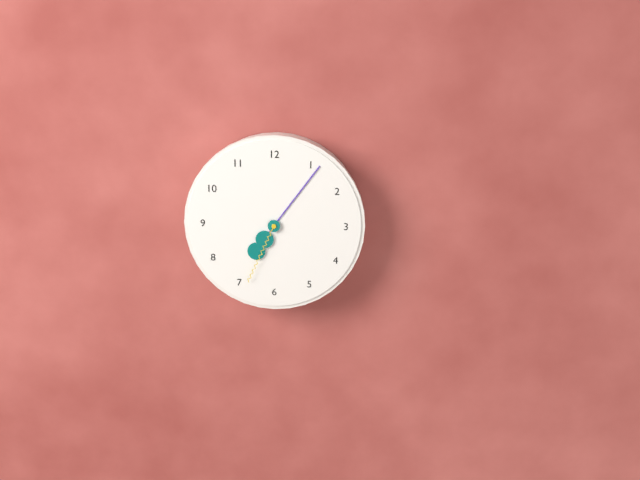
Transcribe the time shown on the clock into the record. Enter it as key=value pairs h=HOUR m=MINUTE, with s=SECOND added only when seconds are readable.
h=7 m=6 s=34
